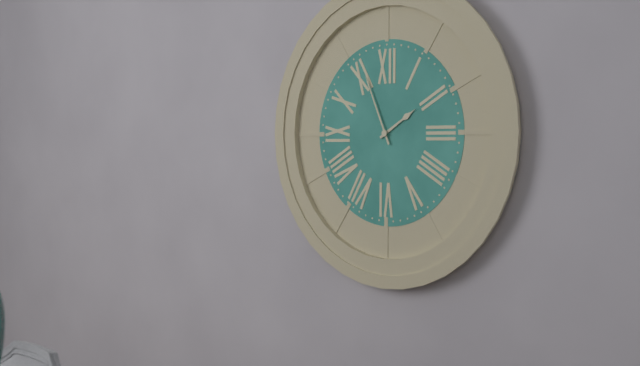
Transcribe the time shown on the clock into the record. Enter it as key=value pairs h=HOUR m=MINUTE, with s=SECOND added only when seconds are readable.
h=1 m=56
